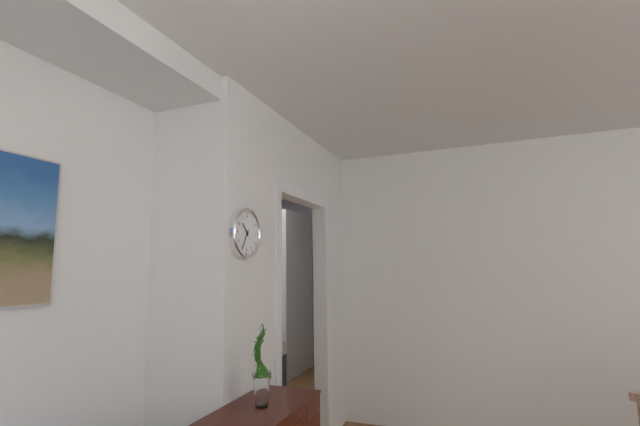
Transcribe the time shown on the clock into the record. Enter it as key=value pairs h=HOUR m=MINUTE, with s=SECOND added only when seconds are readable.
h=10 m=35
